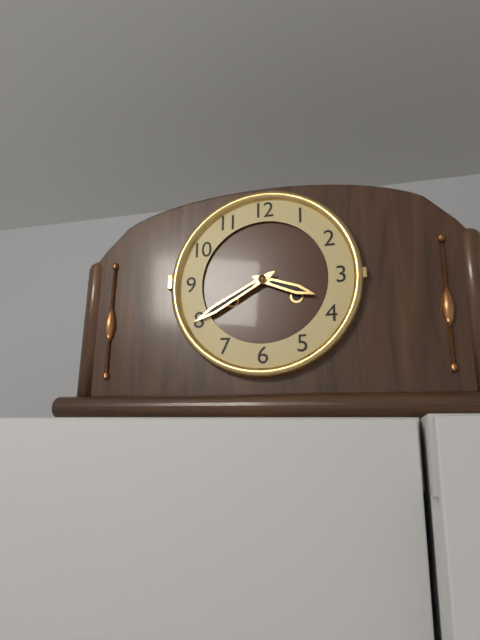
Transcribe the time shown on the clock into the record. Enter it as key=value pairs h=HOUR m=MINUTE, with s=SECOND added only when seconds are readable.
h=3 m=40
